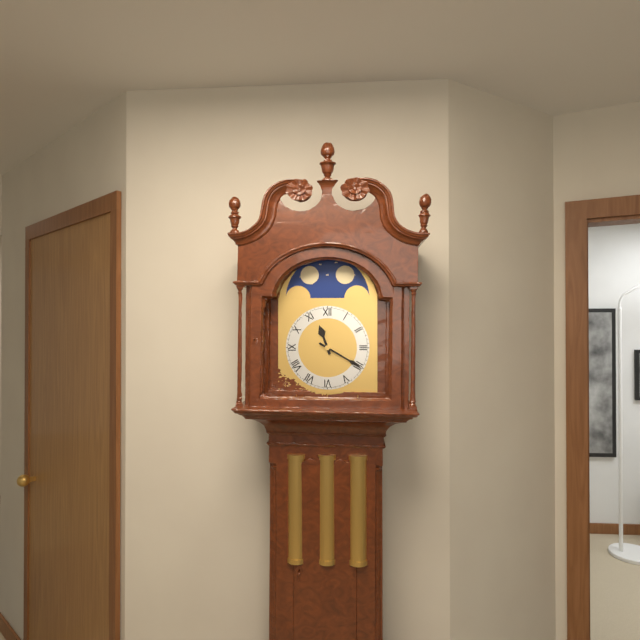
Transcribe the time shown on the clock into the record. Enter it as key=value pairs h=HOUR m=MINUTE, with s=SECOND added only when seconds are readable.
h=11 m=20
